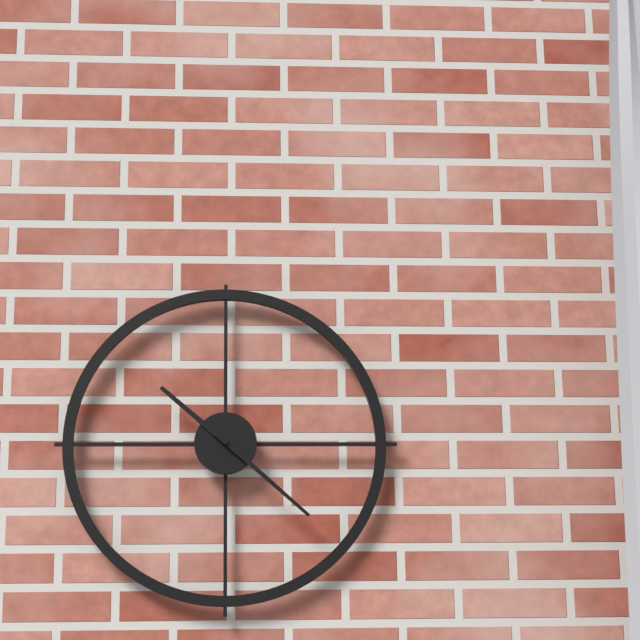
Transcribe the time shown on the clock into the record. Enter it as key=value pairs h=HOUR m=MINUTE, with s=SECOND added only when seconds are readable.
h=10 m=22
